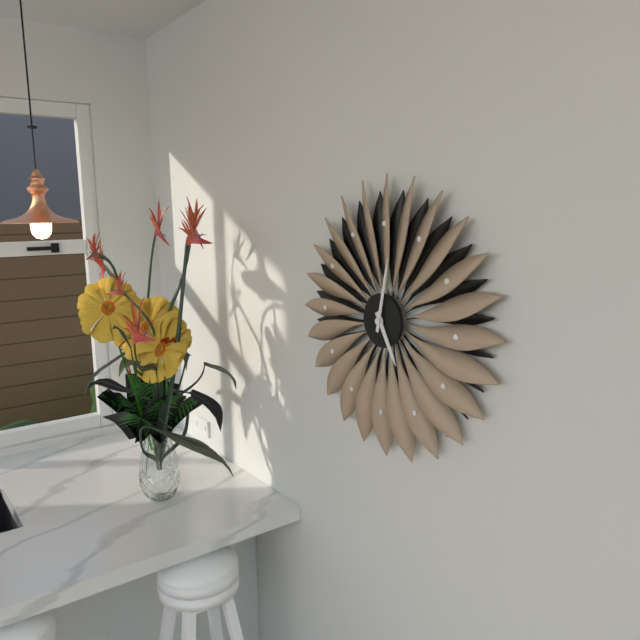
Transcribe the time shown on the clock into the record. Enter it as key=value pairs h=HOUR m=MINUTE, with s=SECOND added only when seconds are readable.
h=5 m=2
